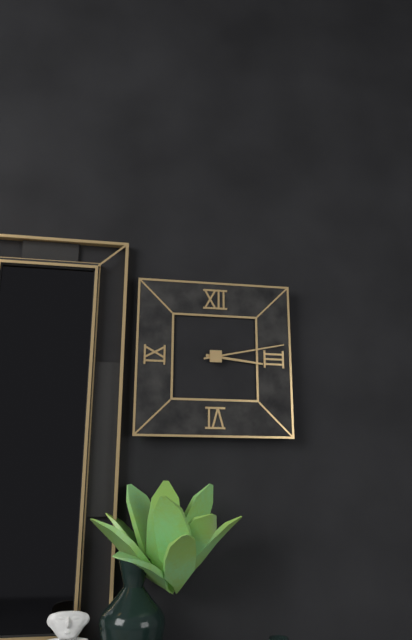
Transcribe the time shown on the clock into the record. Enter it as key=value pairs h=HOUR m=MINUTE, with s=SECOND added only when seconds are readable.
h=3 m=13
